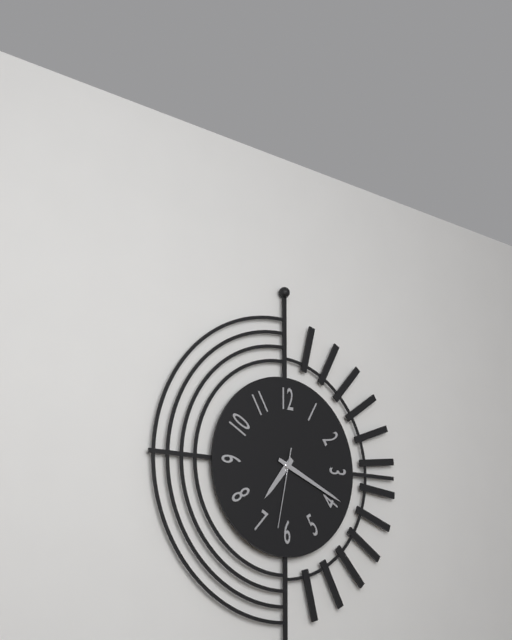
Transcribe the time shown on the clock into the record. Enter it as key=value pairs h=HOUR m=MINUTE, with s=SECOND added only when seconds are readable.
h=7 m=19 s=32
